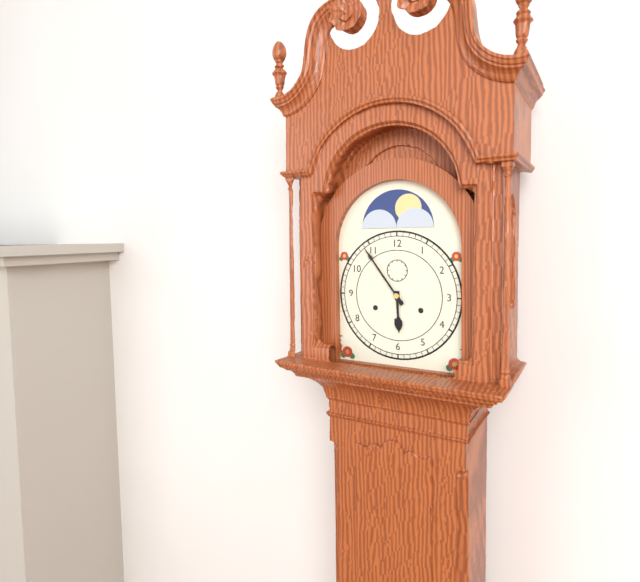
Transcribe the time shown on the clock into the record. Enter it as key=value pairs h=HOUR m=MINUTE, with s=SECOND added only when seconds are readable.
h=5 m=54
